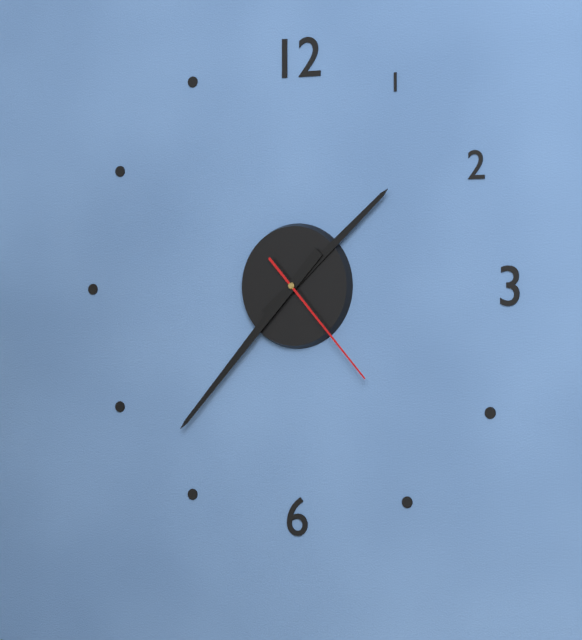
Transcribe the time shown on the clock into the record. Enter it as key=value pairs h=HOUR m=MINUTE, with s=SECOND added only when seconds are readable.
h=1 m=37 s=23
